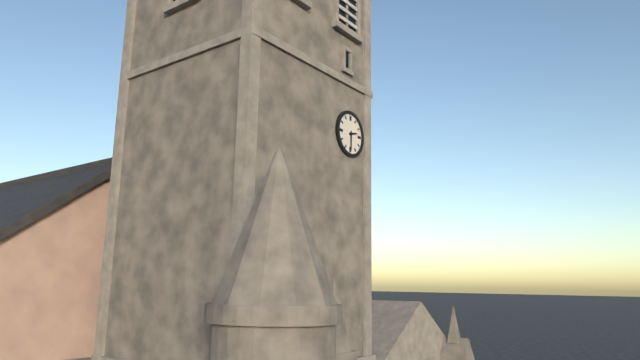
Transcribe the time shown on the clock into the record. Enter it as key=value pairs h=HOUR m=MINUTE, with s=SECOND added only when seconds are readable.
h=2 m=30
